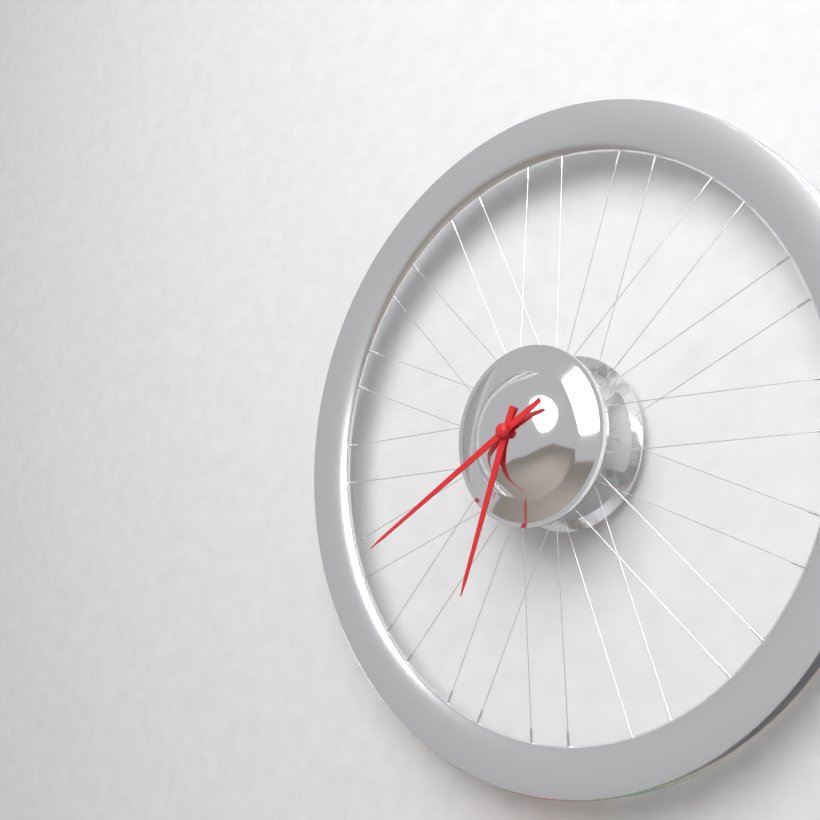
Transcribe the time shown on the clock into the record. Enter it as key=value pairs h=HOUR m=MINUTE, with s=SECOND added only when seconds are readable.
h=6 m=40
